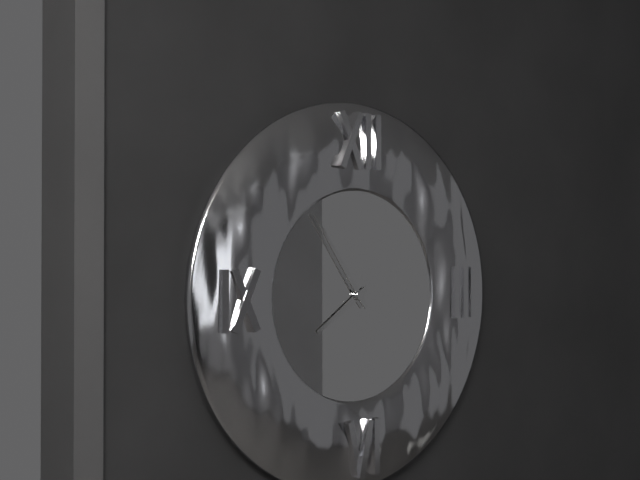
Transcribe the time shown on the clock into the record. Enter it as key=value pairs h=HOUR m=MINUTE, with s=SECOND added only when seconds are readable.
h=7 m=54
